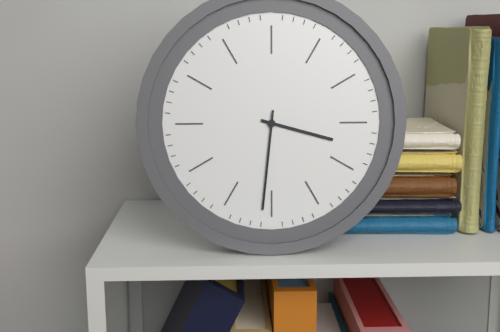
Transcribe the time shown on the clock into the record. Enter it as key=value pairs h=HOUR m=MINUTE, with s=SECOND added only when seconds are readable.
h=3 m=31
